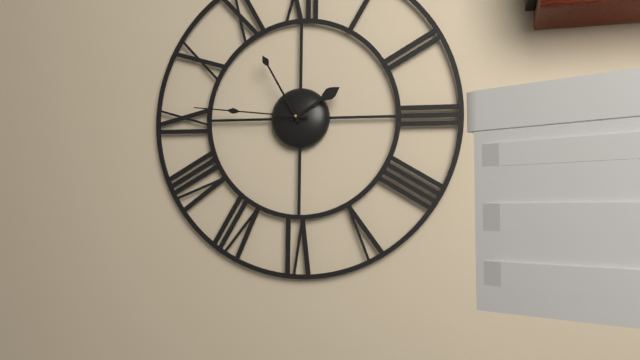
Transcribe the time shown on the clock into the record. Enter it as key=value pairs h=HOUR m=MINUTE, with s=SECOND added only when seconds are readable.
h=1 m=55 s=46
